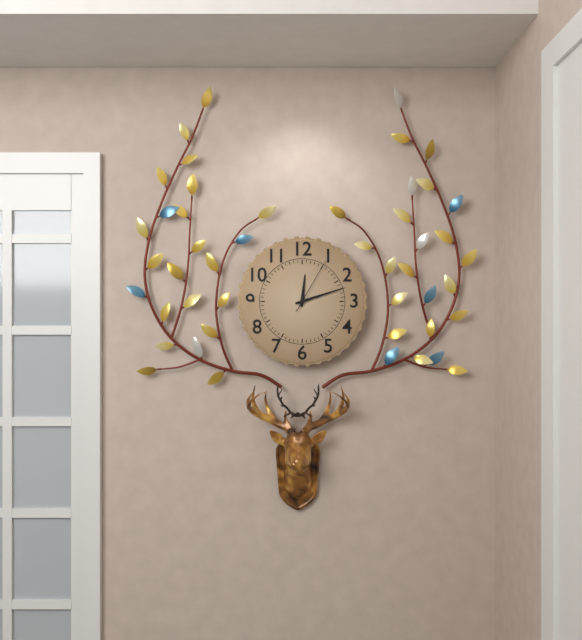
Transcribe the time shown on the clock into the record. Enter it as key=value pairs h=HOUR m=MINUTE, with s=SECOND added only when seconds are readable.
h=12 m=12 s=5
